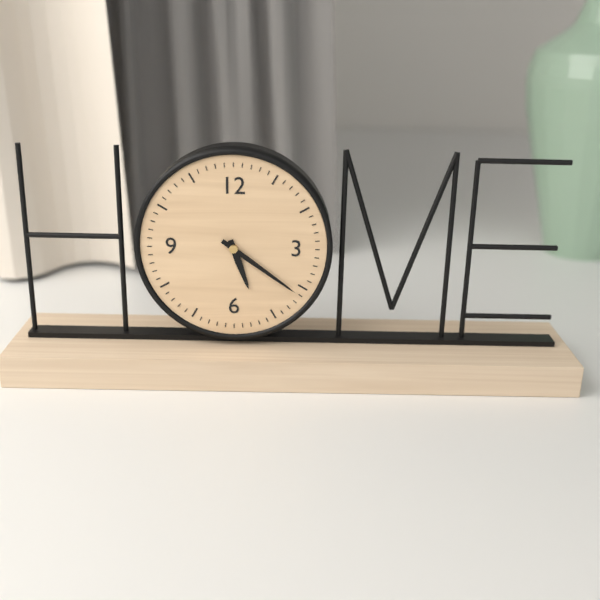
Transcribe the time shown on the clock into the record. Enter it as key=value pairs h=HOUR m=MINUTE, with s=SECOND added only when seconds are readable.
h=5 m=21
